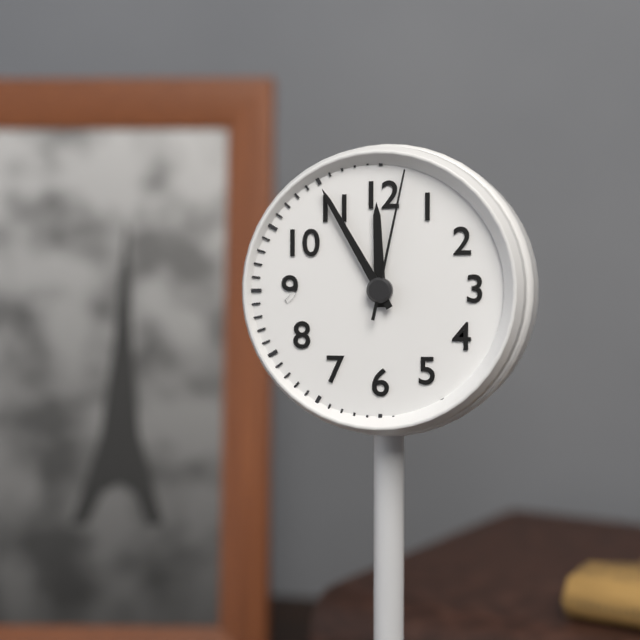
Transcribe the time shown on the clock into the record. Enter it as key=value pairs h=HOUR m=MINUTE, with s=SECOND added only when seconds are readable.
h=11 m=55 s=2
